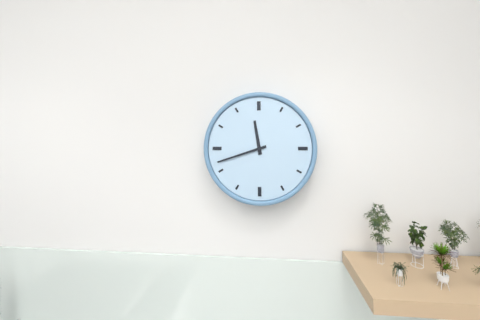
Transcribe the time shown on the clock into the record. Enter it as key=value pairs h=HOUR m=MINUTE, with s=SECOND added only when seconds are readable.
h=11 m=42
